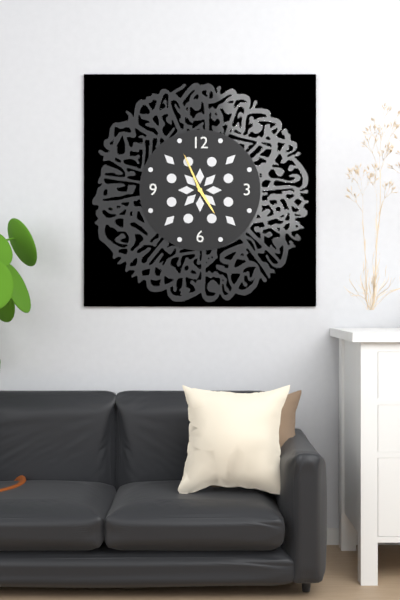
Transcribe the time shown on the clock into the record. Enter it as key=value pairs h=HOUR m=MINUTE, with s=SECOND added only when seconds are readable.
h=4 m=56
